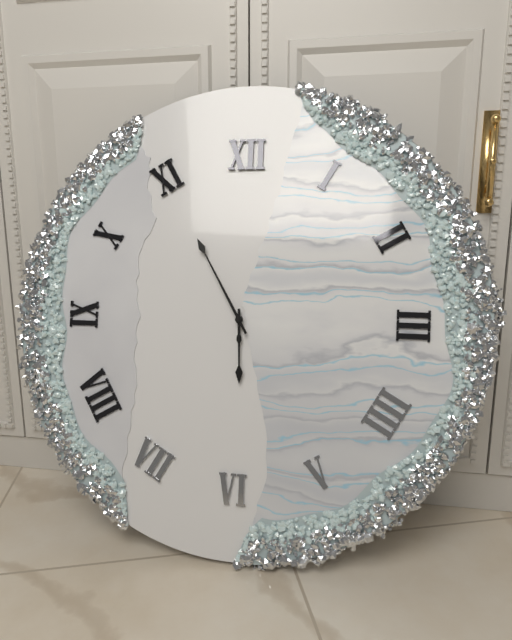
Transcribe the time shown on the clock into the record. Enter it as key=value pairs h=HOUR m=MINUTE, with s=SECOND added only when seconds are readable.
h=5 m=55
